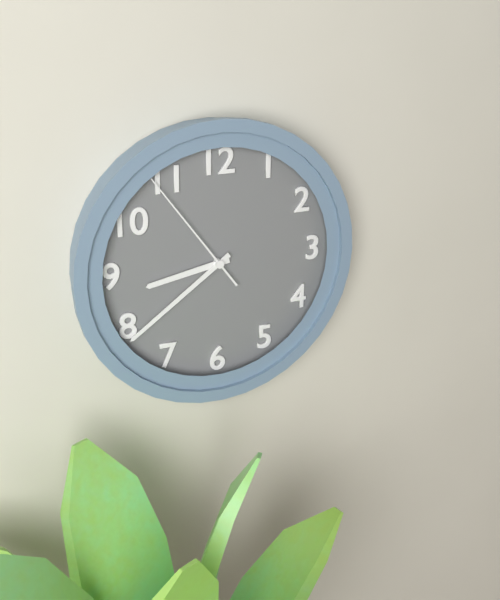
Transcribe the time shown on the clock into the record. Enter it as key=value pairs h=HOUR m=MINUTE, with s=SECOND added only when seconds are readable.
h=8 m=39 s=54
